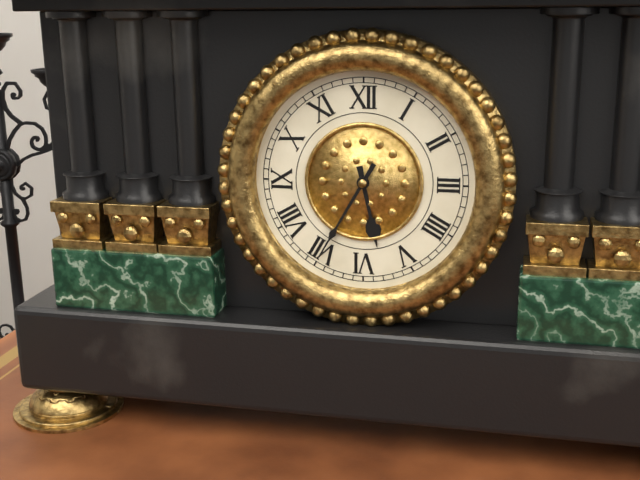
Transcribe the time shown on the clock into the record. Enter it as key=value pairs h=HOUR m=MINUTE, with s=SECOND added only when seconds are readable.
h=5 m=35
